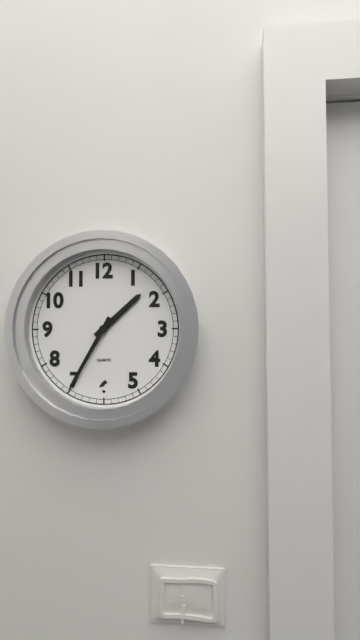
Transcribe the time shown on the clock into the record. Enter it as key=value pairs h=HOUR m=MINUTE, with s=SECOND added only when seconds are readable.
h=1 m=35
